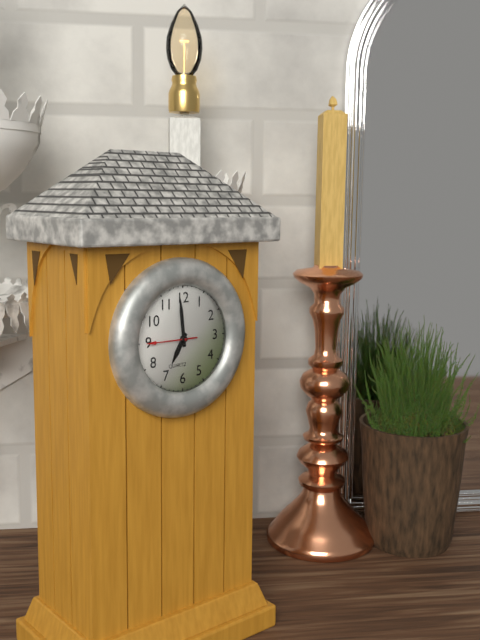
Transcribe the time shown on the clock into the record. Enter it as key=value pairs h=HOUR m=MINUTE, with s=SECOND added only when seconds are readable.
h=6 m=59
